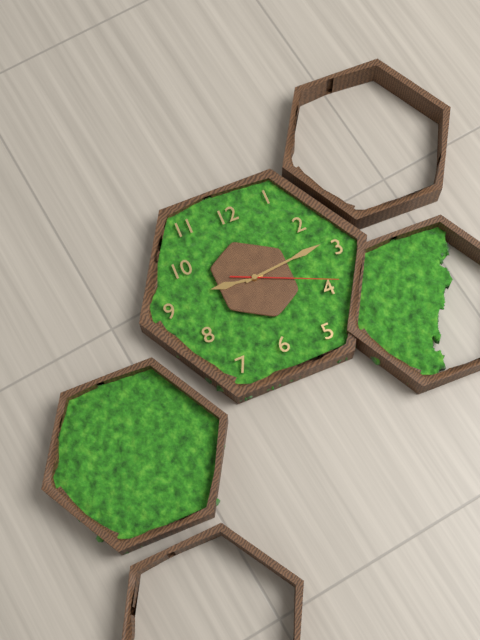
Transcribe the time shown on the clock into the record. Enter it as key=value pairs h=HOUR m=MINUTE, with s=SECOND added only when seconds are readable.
h=9 m=14 s=19
